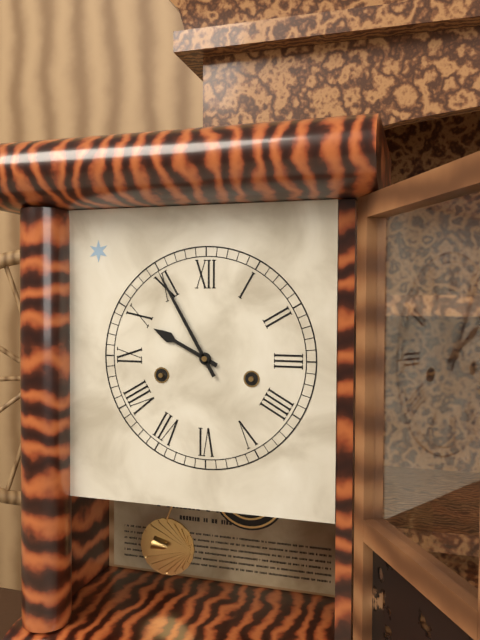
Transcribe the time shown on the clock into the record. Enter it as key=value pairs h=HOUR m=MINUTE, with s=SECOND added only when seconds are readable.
h=9 m=55
